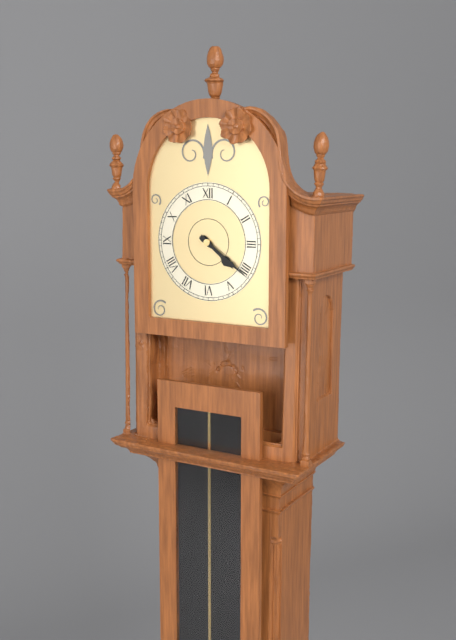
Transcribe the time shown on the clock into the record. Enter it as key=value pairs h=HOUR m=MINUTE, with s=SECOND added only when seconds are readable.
h=4 m=21
